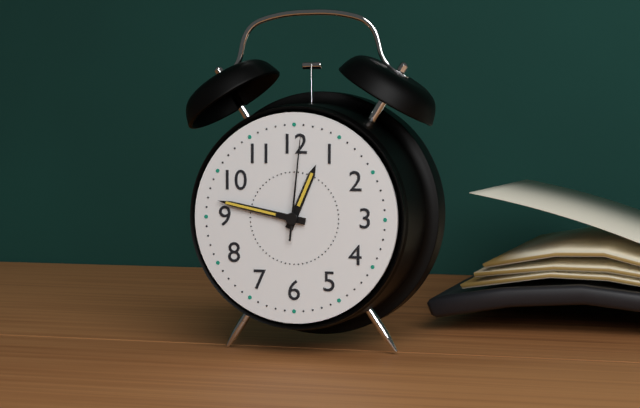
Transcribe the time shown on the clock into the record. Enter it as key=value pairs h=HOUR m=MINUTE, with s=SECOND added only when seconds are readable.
h=12 m=47 s=1
